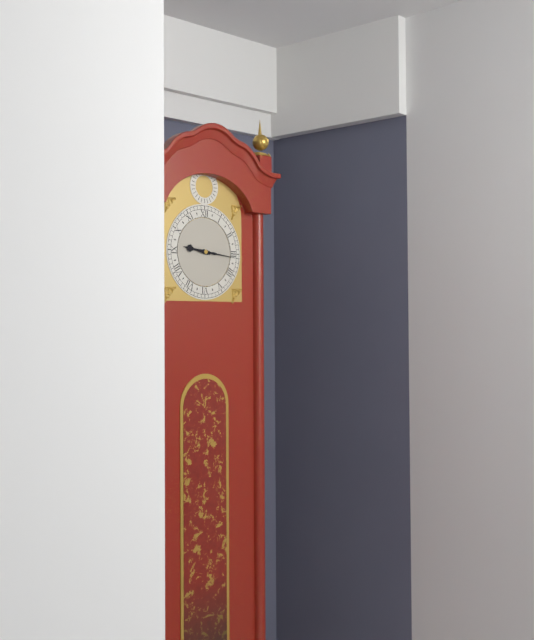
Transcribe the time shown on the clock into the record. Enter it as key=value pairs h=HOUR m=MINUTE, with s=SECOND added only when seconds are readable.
h=9 m=16
